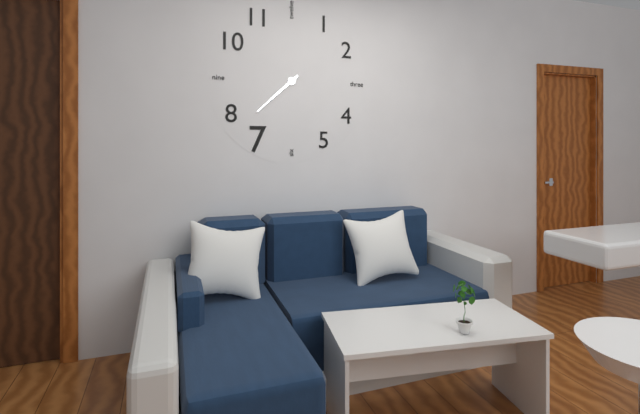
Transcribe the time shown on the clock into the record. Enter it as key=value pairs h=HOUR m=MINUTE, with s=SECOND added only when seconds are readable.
h=7 m=38
